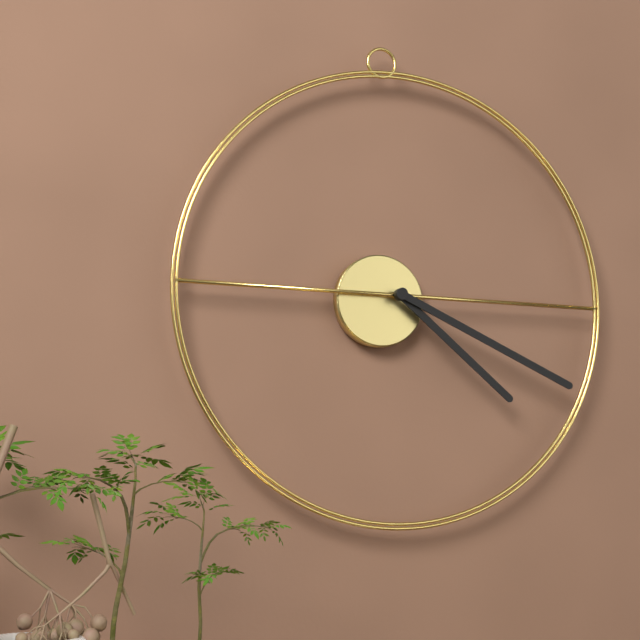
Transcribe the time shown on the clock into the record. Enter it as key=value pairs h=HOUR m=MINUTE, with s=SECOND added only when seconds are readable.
h=4 m=19
